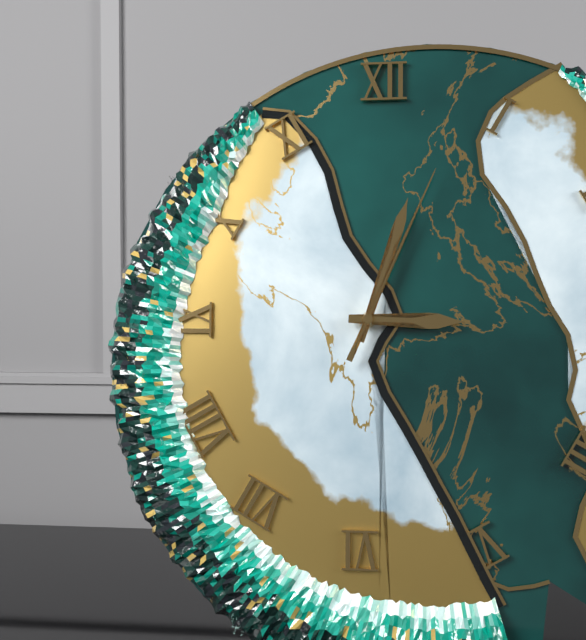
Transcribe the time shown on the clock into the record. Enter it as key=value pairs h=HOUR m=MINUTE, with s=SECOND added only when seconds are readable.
h=3 m=3 s=4
